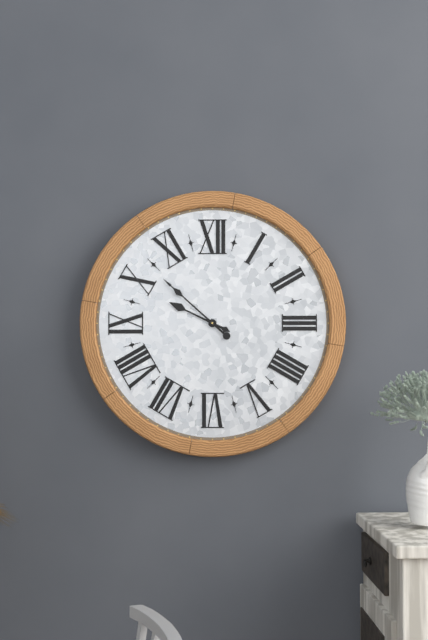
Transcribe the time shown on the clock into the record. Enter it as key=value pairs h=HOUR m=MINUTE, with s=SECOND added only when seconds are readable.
h=9 m=52
